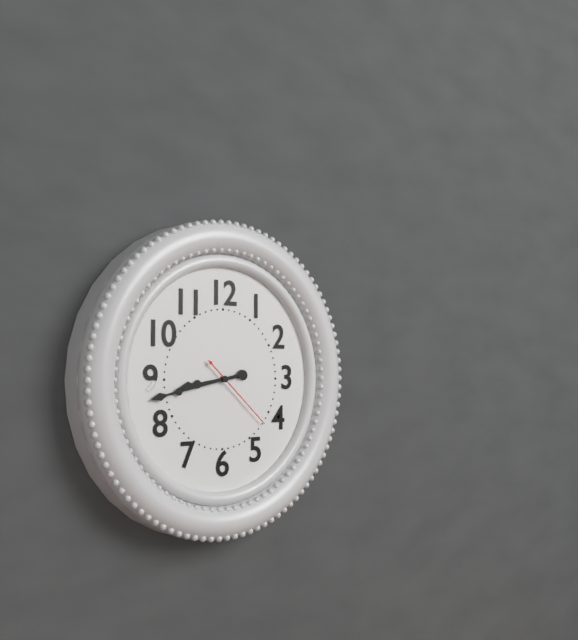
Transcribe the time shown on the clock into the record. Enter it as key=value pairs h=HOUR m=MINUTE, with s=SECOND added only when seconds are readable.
h=8 m=43 s=22
